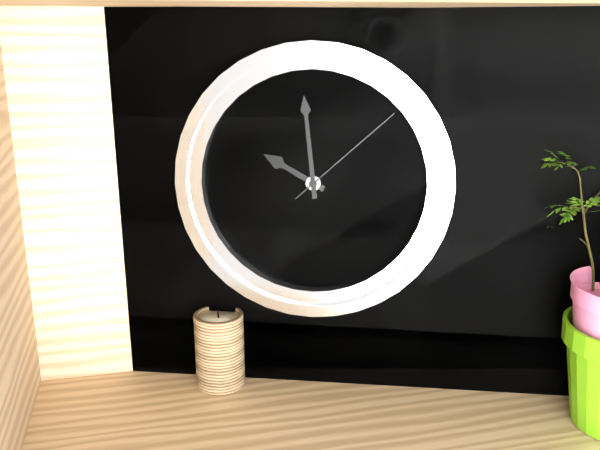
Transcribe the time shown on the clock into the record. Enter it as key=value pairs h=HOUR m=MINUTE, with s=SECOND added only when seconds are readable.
h=9 m=59 s=8
